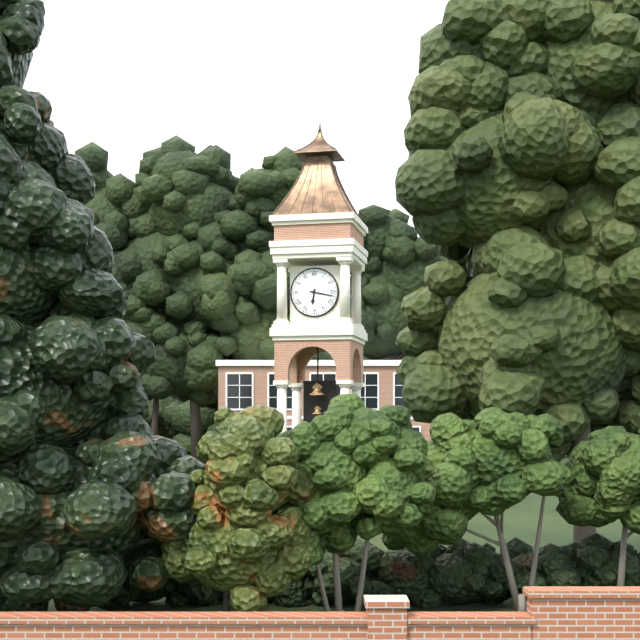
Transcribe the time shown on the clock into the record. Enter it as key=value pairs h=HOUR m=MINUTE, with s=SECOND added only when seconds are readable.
h=6 m=17
